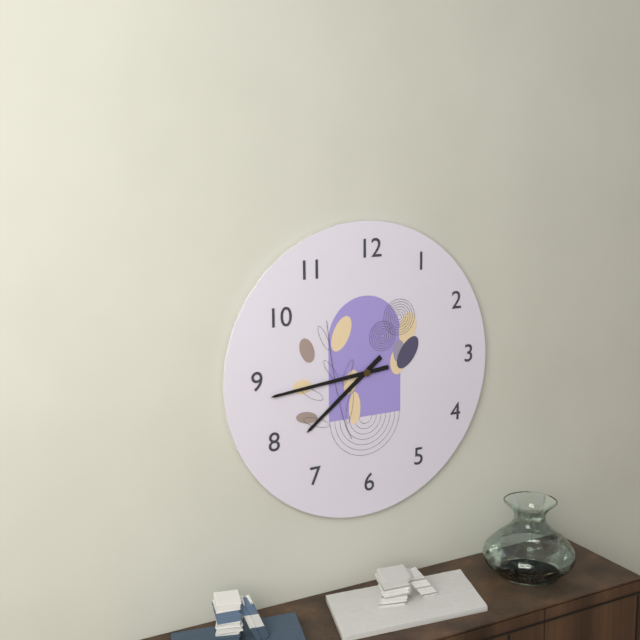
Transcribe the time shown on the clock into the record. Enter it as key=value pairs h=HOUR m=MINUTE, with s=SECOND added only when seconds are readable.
h=7 m=44
